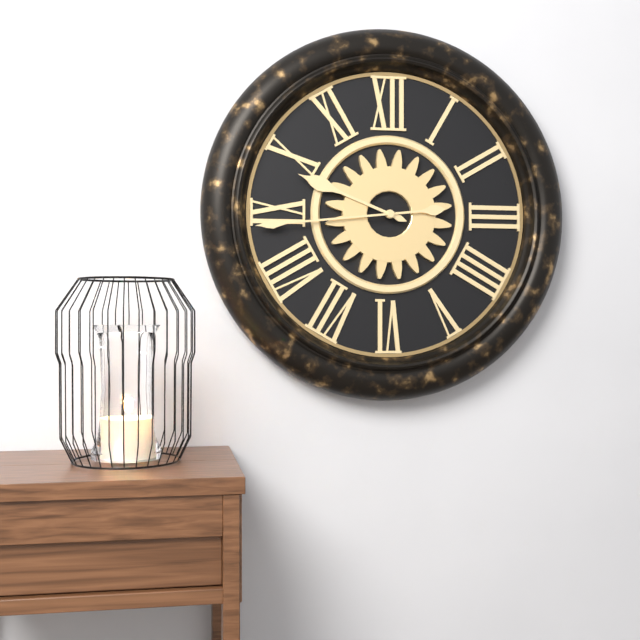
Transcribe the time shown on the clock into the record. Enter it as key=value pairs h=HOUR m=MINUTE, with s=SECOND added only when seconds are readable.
h=9 m=44
